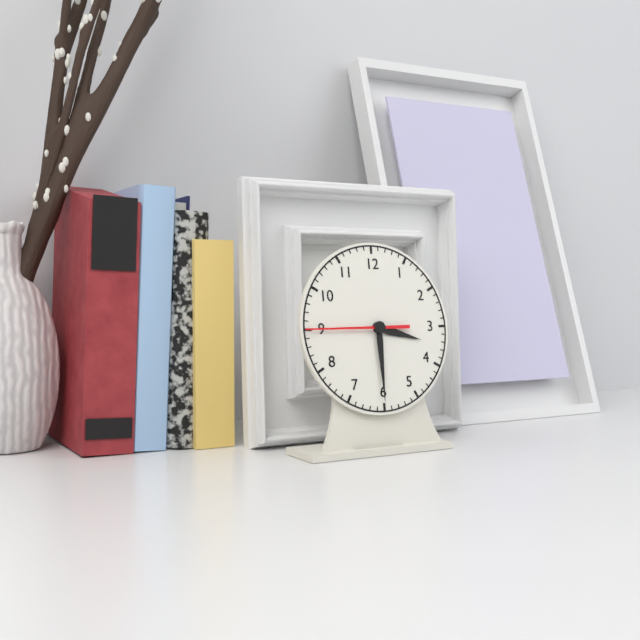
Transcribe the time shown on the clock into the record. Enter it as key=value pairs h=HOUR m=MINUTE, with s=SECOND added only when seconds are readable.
h=3 m=30 s=45
